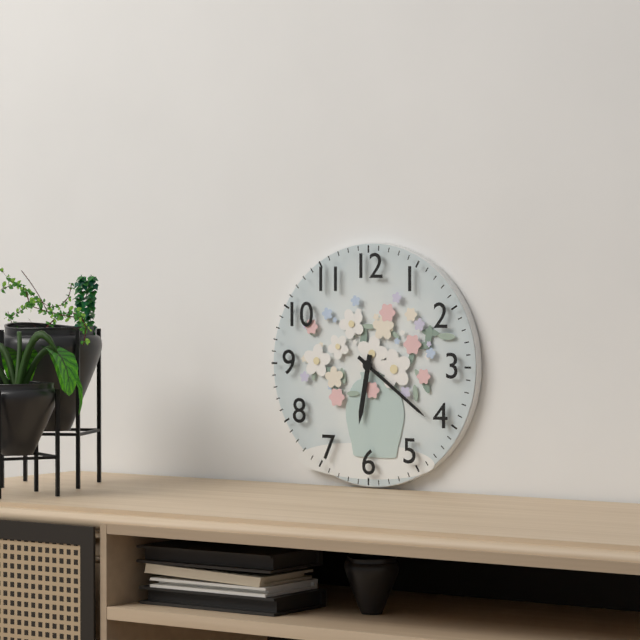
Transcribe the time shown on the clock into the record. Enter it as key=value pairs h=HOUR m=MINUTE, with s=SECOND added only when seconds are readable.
h=6 m=21
